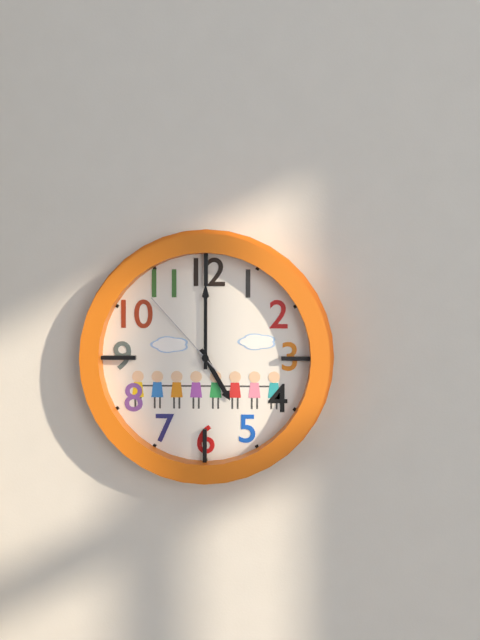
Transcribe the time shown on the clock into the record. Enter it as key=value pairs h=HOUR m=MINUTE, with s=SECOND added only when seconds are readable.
h=5 m=0 s=53
